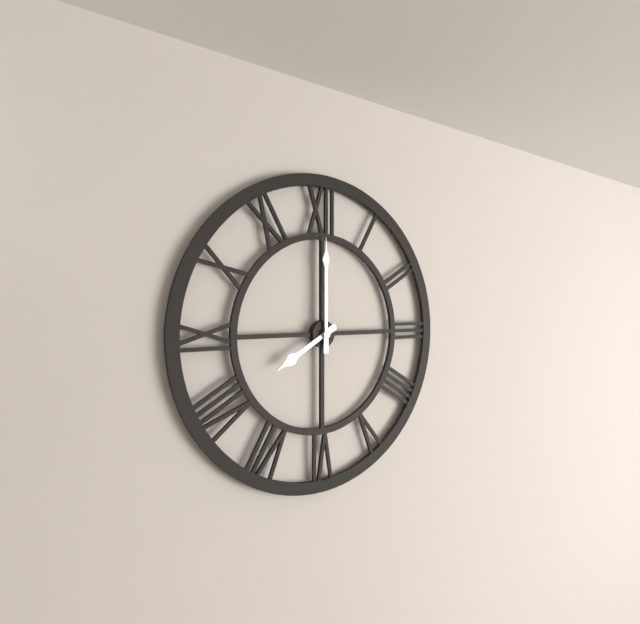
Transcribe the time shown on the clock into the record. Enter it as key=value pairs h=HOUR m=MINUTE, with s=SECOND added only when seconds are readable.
h=8 m=0
